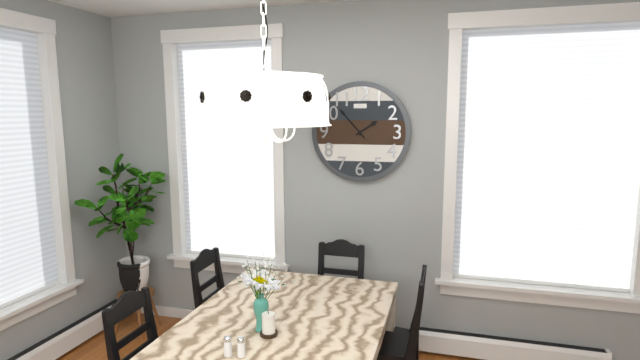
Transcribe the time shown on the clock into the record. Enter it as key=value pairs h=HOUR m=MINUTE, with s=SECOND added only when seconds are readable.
h=1 m=53
